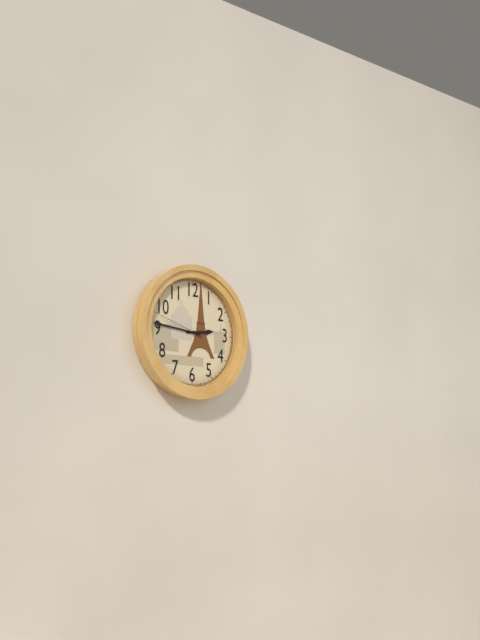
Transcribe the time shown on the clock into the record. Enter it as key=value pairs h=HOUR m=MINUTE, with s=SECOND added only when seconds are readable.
h=2 m=46 s=48
